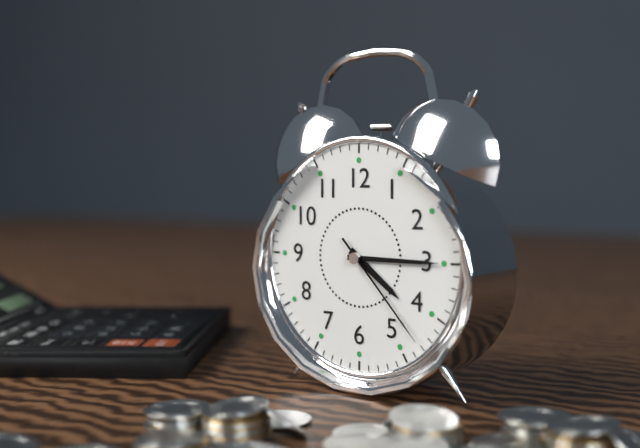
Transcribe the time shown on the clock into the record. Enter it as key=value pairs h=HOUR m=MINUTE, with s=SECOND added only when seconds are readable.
h=4 m=15 s=23
